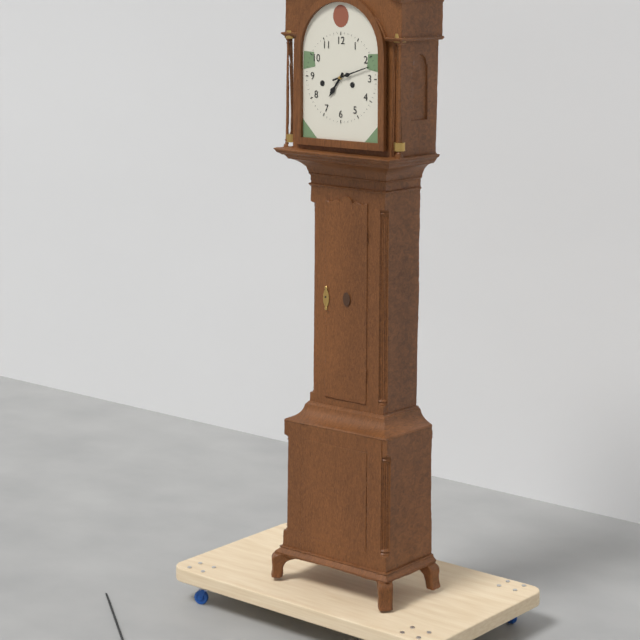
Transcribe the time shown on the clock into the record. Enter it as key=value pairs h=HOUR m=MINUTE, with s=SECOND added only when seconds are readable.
h=7 m=12
